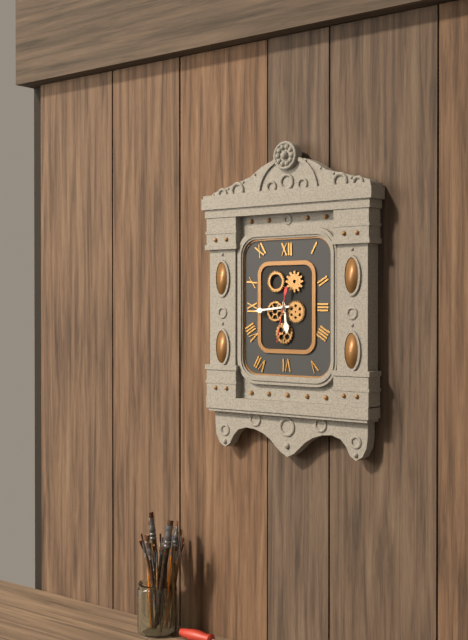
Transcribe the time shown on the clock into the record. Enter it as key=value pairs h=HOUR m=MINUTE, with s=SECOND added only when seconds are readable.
h=5 m=44
